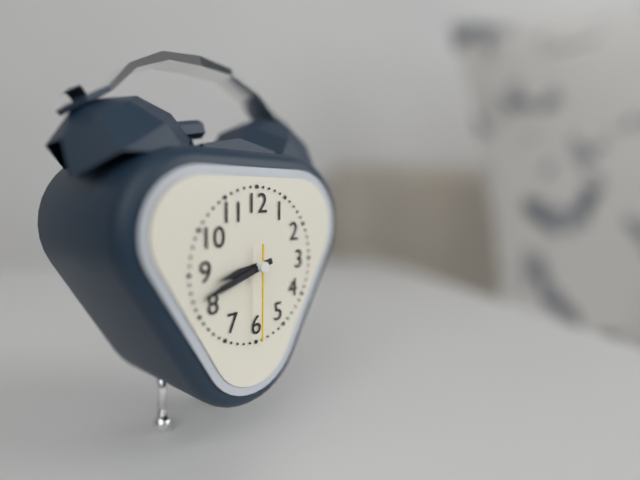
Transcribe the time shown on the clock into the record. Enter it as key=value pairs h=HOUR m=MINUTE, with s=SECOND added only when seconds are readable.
h=8 m=42 s=30
